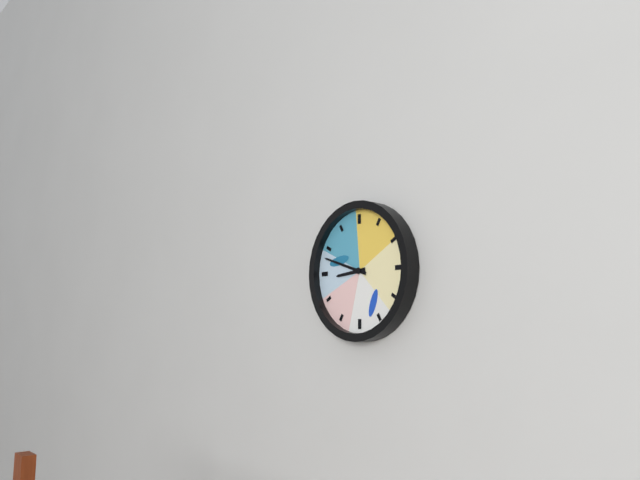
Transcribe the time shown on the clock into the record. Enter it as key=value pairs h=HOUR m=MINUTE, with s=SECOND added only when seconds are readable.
h=8 m=48
